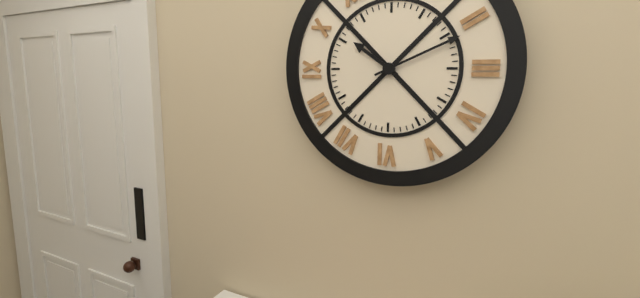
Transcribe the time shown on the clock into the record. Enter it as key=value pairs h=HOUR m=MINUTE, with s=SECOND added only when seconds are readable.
h=10 m=11
